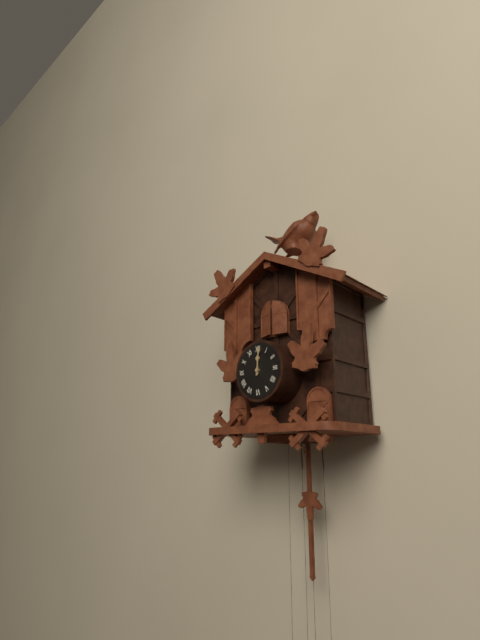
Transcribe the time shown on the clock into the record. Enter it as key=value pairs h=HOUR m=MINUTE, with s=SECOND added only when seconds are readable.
h=12 m=1
